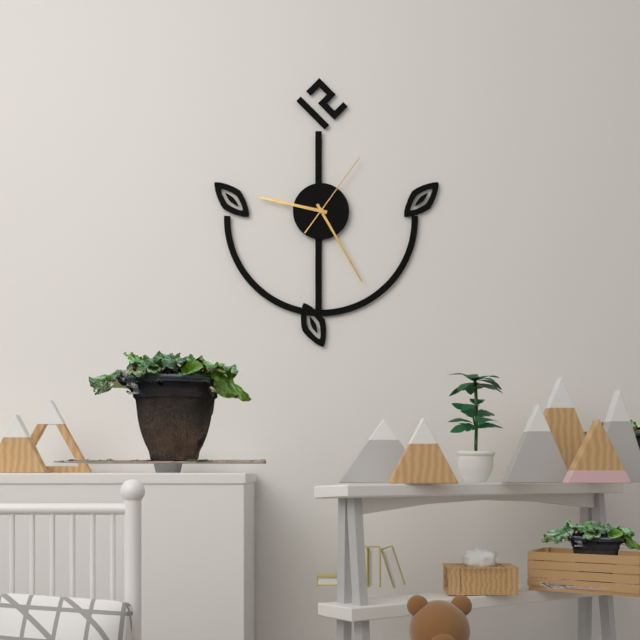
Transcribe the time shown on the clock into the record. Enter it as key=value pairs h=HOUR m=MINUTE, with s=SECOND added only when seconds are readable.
h=9 m=25 s=6
